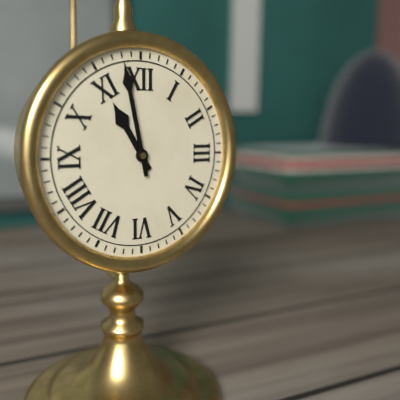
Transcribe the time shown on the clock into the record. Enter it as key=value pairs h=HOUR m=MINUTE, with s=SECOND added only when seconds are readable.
h=10 m=58
